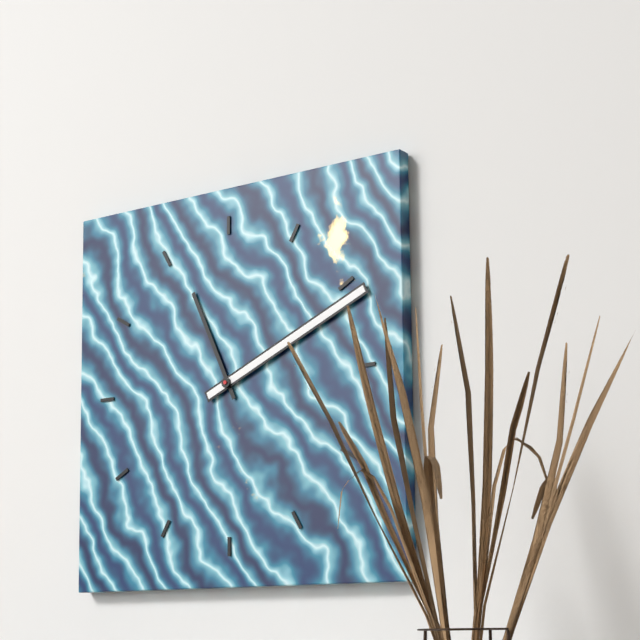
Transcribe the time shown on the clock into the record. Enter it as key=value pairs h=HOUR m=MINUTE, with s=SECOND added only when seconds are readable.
h=11 m=11
